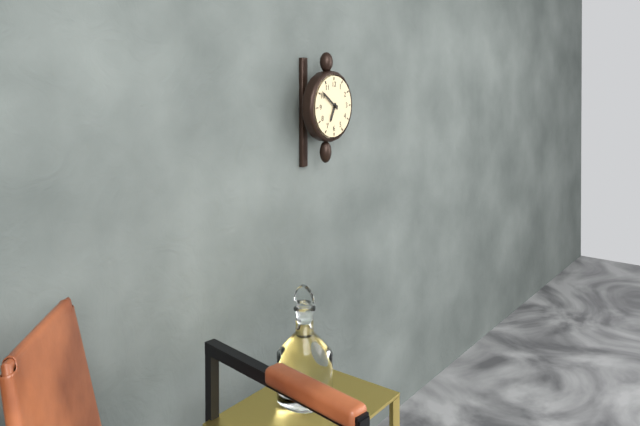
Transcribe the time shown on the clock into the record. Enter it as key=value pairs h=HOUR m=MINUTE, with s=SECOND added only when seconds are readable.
h=6 m=51
